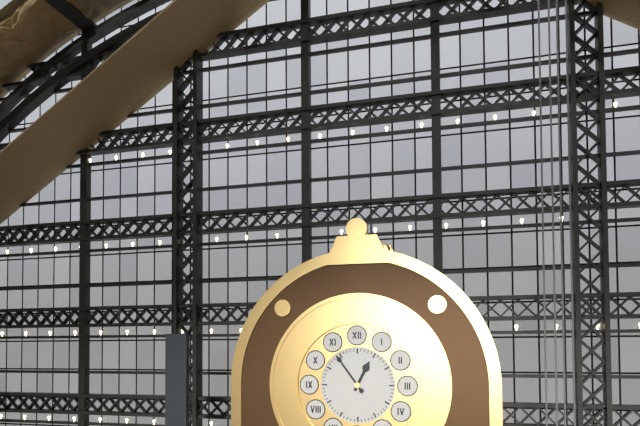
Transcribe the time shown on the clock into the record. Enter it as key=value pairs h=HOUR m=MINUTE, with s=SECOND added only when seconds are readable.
h=12 m=54
